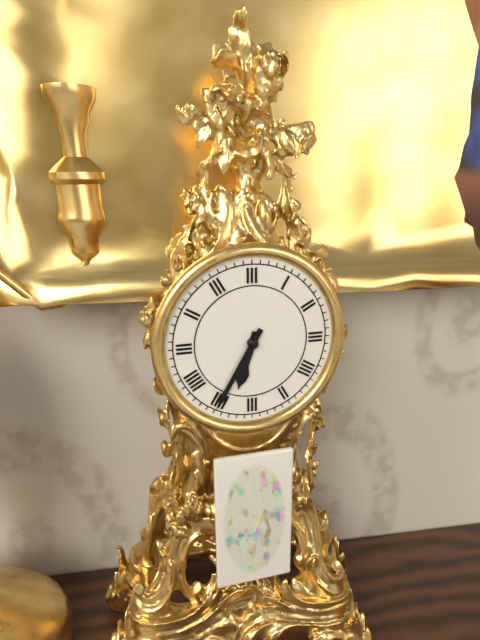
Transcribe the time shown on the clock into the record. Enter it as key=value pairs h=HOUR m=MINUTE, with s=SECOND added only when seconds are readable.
h=6 m=35
